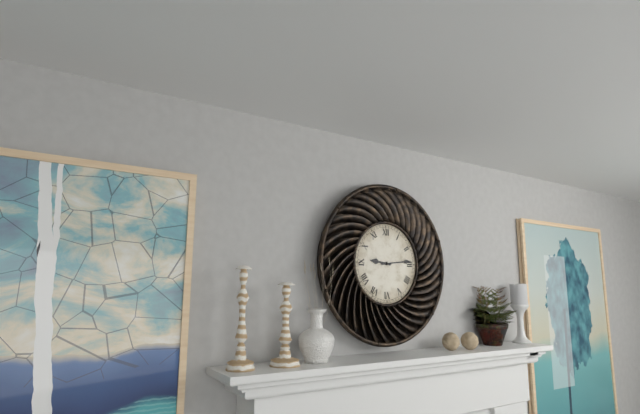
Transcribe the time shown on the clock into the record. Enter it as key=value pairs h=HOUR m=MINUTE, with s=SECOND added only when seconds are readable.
h=9 m=14
